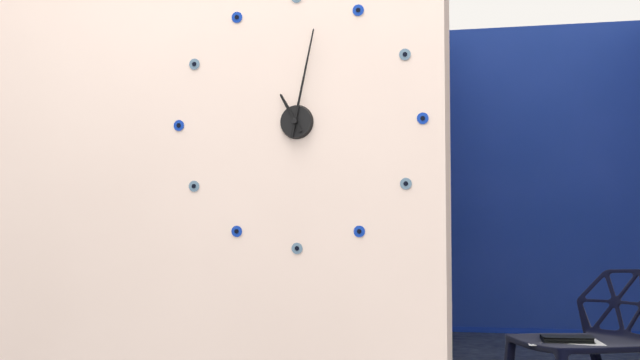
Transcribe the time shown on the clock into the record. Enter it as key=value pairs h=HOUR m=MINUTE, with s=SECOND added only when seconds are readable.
h=11 m=2
